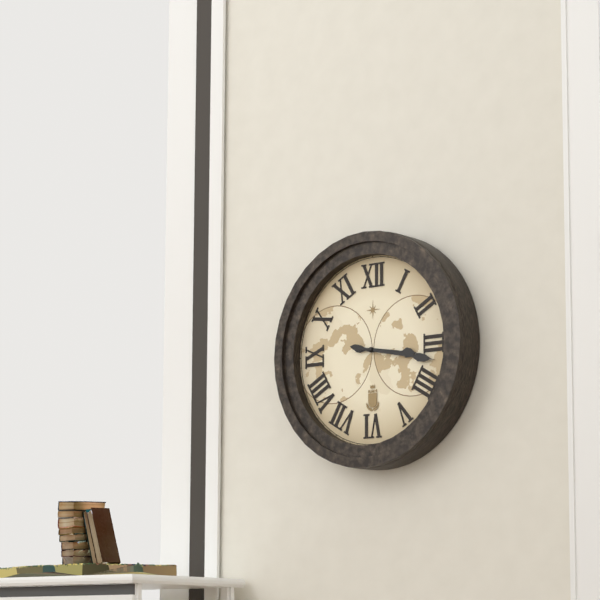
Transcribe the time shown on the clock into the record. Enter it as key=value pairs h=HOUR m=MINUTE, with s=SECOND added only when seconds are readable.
h=3 m=17
